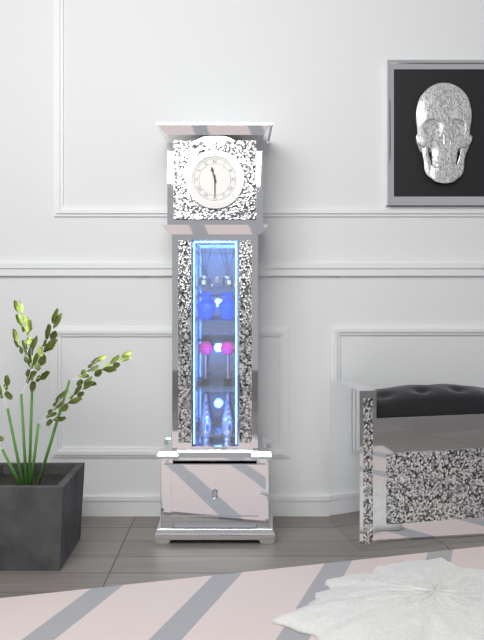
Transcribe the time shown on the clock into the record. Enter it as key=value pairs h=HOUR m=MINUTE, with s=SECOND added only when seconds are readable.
h=11 m=30
